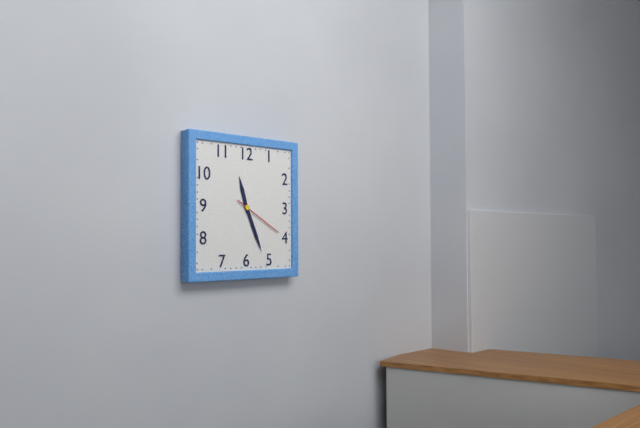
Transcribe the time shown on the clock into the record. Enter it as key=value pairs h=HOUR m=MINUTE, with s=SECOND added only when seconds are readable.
h=11 m=26 s=20
